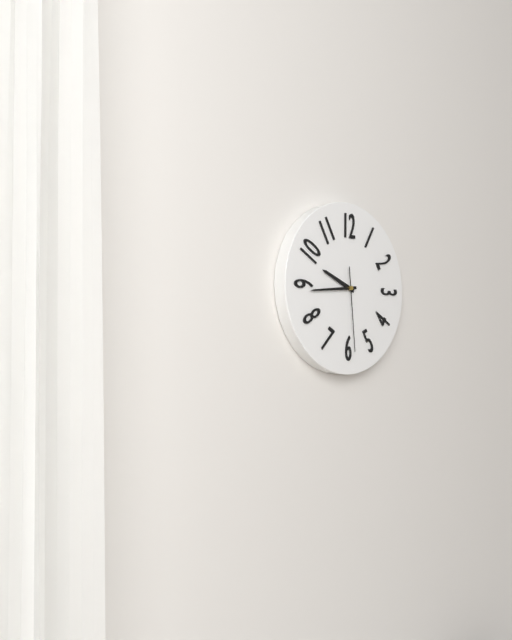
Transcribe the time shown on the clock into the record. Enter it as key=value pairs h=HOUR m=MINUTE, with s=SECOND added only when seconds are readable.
h=9 m=44 s=29
